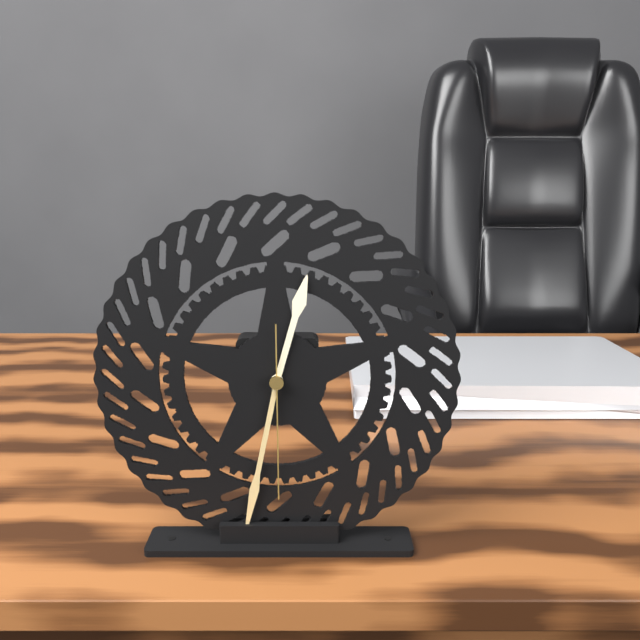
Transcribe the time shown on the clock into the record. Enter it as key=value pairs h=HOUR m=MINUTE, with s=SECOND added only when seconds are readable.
h=12 m=32 s=30
